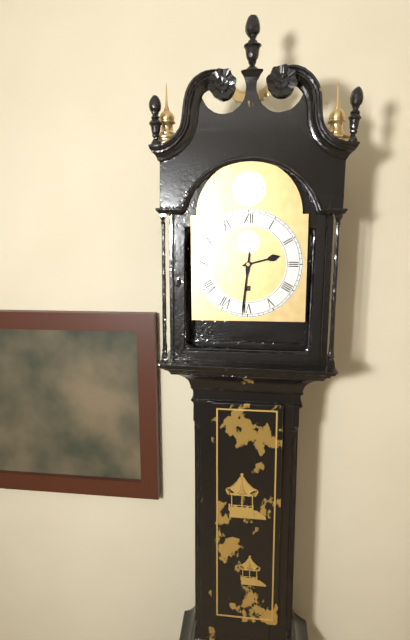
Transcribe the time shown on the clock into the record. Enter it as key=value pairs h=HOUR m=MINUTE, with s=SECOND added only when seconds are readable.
h=2 m=31
